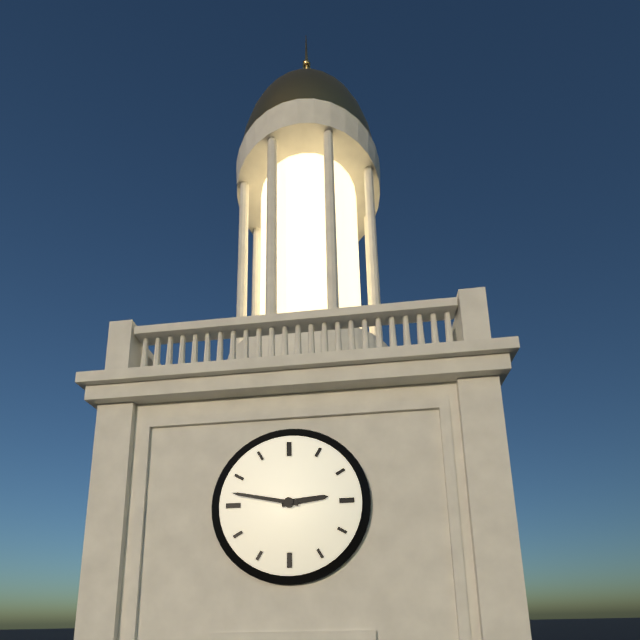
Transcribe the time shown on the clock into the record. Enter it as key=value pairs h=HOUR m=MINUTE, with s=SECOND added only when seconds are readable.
h=2 m=47
